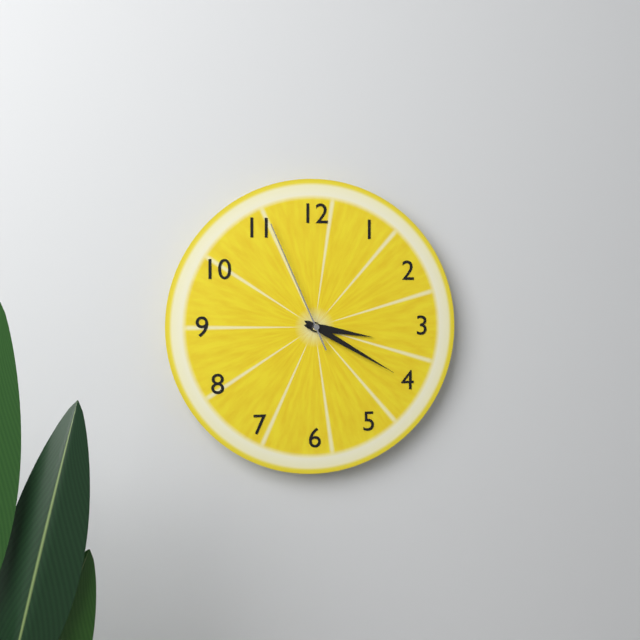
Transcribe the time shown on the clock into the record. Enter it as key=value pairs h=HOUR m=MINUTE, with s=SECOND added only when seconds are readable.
h=3 m=20 s=56
